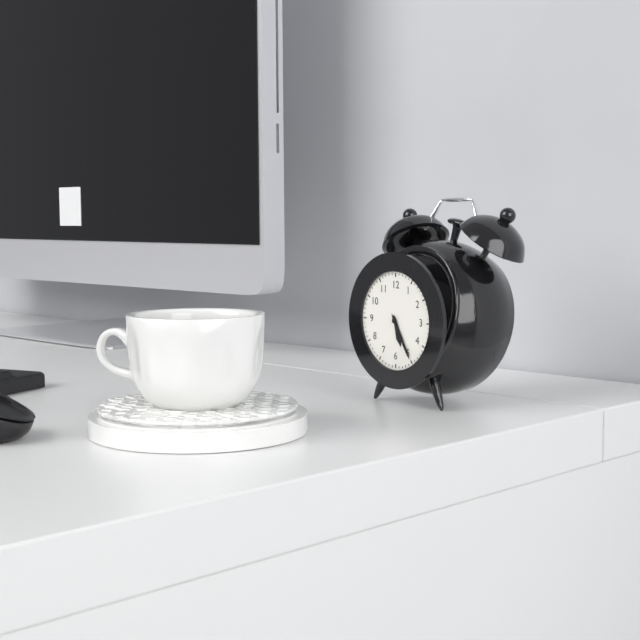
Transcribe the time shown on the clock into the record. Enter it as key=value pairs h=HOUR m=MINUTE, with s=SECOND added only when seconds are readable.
h=5 m=25
